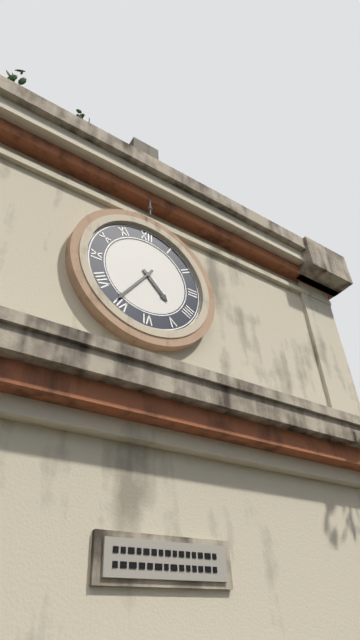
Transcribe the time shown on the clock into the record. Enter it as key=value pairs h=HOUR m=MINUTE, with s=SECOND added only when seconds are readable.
h=4 m=36
